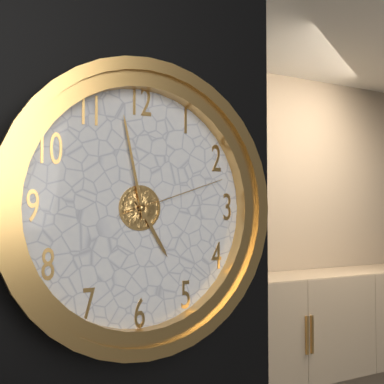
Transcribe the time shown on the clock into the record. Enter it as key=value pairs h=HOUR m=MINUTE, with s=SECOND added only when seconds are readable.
h=4 m=58 s=12
